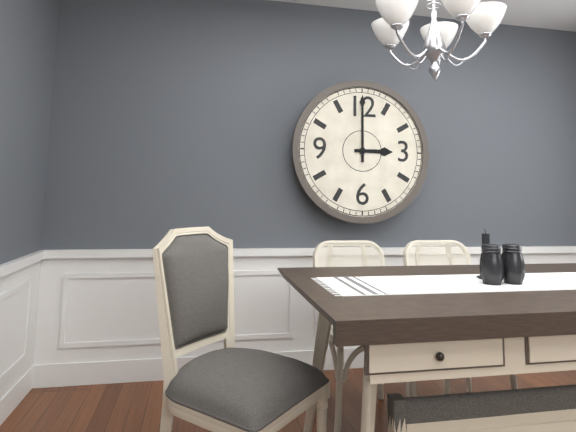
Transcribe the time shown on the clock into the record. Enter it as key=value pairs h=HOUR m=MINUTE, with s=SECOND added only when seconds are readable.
h=3 m=0
